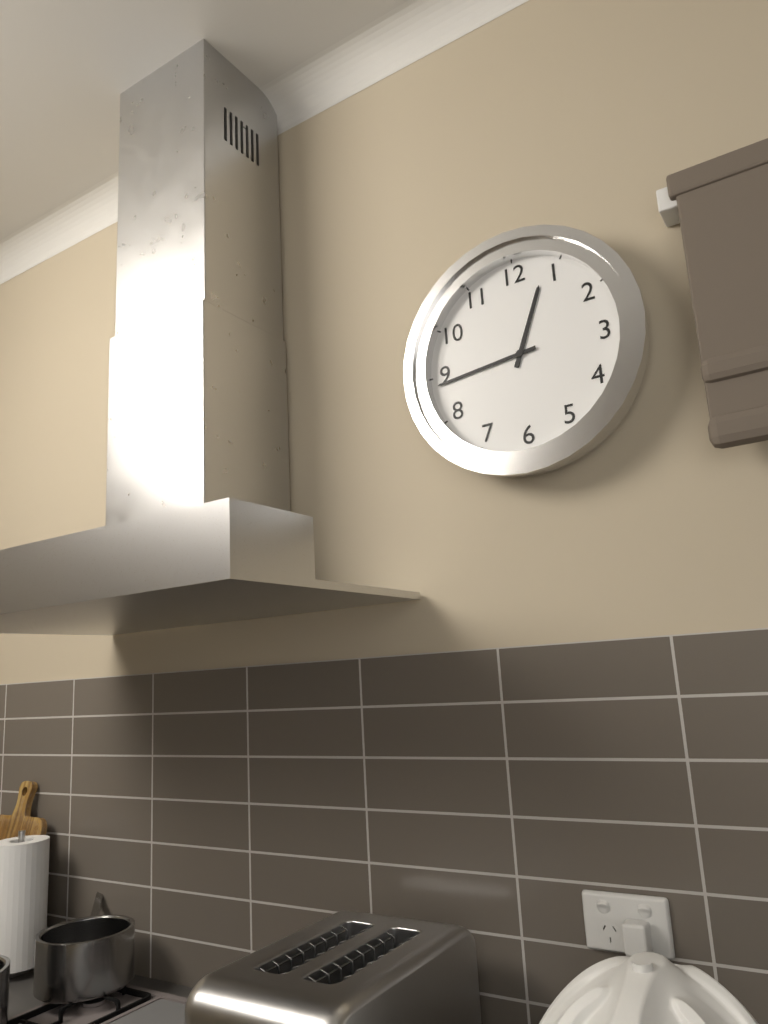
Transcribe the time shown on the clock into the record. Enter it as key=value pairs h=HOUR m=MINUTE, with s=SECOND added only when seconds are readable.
h=12 m=44
